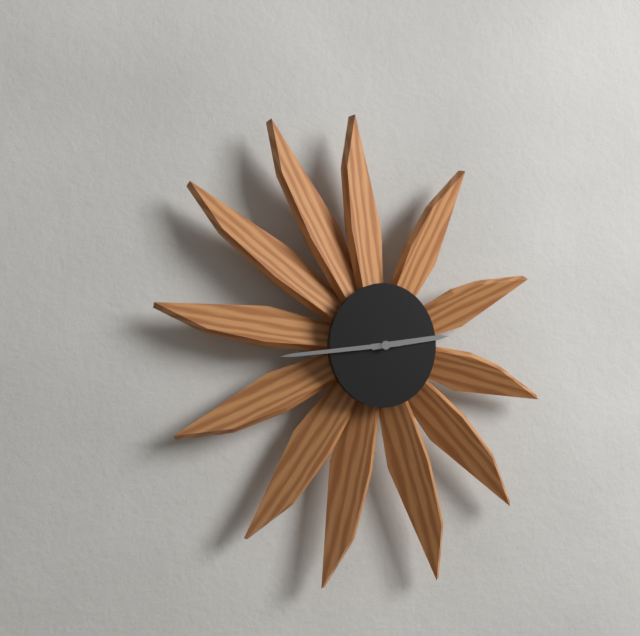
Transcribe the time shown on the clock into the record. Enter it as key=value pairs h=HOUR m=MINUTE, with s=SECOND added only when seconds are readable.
h=2 m=44
